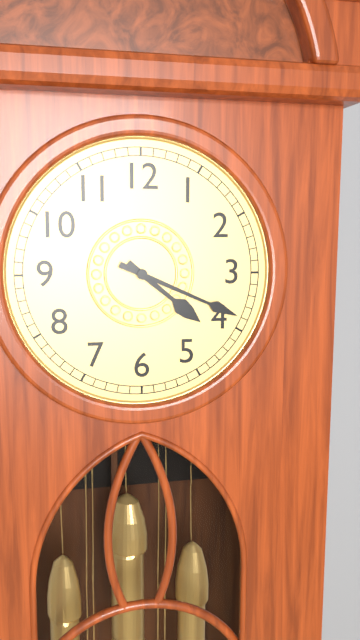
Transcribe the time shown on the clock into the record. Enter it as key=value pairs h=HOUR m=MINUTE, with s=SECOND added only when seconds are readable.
h=4 m=19
